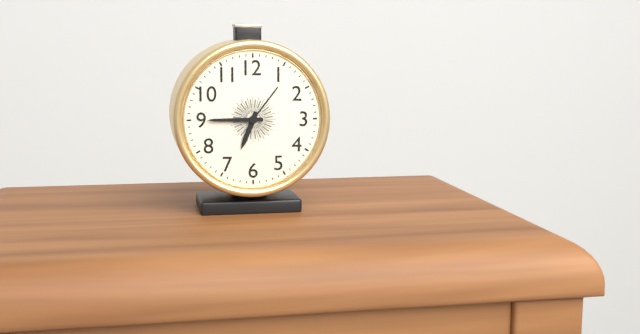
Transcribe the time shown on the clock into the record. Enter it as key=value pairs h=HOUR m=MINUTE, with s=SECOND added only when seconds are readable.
h=6 m=45
